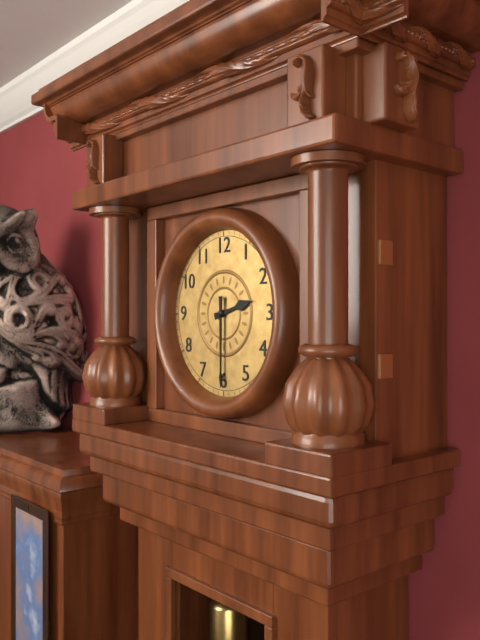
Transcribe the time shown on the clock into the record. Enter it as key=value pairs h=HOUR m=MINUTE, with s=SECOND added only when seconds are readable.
h=2 m=30
